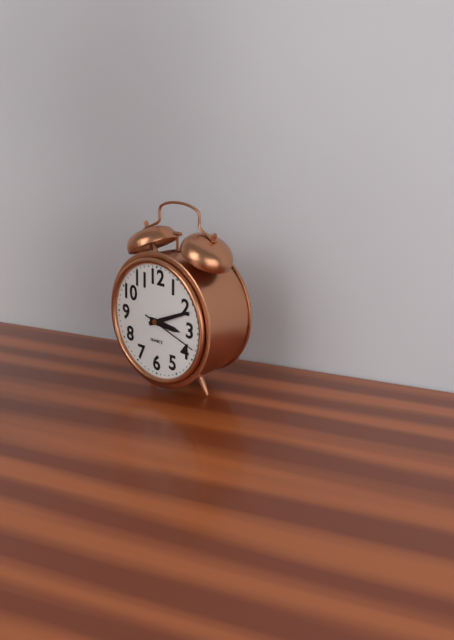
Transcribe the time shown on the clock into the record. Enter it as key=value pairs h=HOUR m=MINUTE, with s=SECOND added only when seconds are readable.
h=3 m=11 s=18
